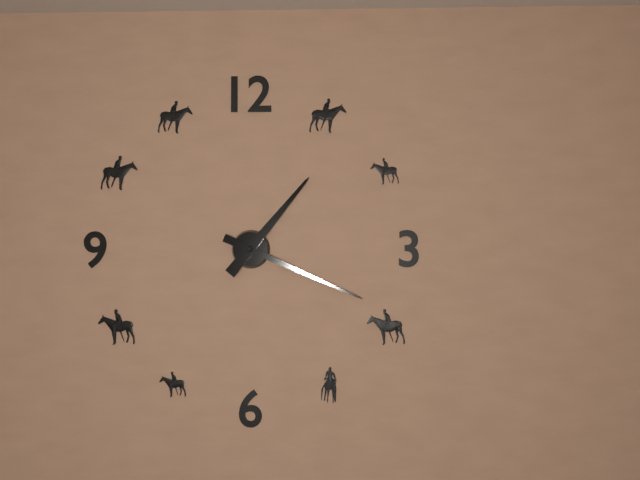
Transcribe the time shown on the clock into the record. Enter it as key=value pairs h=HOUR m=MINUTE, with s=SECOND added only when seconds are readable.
h=1 m=19
